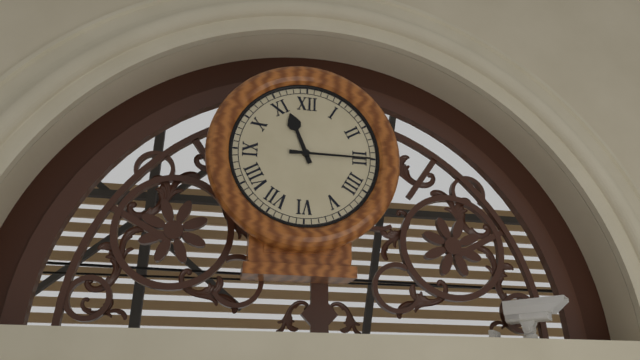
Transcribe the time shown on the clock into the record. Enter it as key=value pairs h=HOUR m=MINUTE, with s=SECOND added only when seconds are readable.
h=11 m=15
